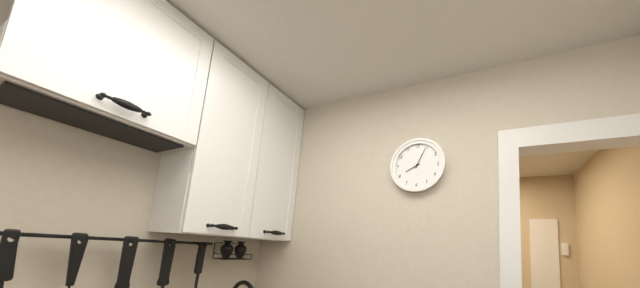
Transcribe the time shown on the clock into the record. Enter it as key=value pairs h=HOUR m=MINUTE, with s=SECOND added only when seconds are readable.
h=8 m=4
